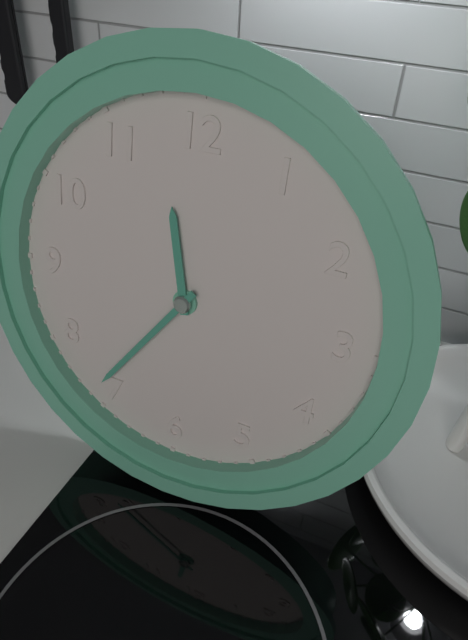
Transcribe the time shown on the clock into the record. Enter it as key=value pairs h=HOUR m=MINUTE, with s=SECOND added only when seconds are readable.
h=11 m=36
